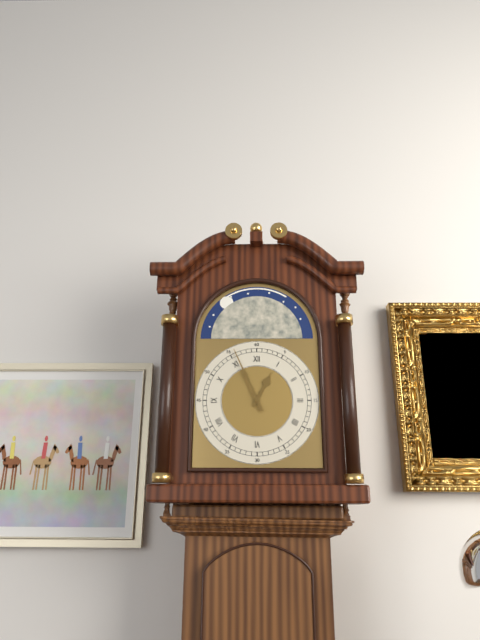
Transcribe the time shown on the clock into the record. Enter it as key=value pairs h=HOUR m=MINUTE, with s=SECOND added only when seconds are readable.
h=12 m=56
